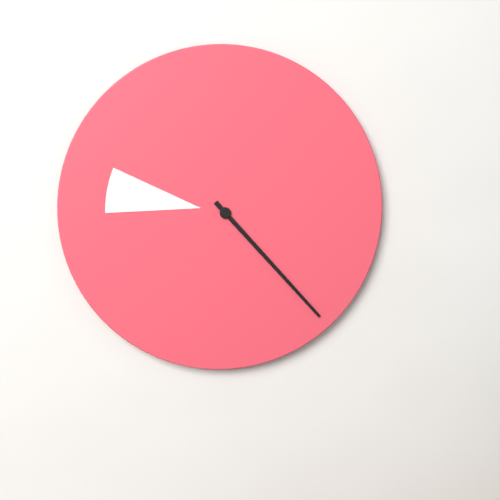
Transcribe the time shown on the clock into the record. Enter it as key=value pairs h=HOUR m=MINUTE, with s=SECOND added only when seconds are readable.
h=9 m=23
